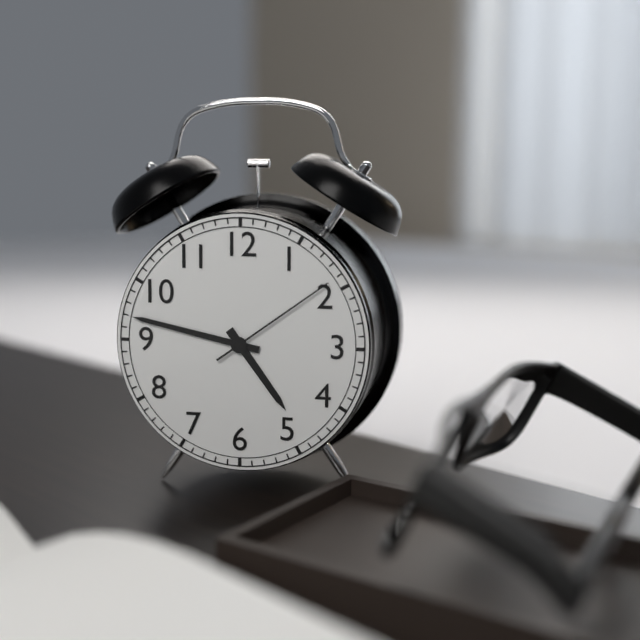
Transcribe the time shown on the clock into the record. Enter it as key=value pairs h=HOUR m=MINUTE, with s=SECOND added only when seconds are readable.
h=4 m=47 s=9
